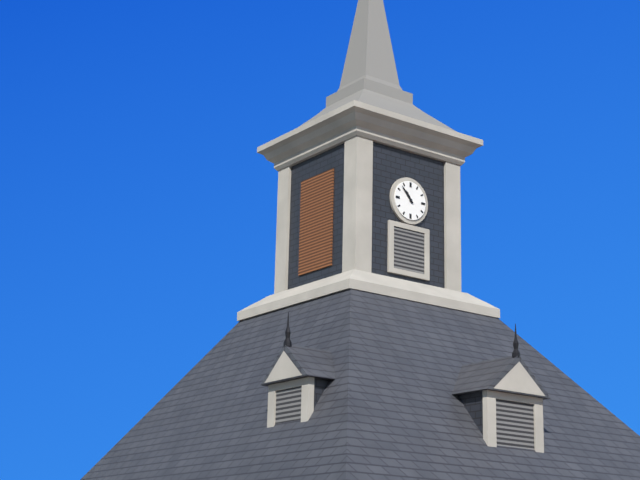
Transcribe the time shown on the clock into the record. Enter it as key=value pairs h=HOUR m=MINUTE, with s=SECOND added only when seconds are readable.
h=10 m=53
